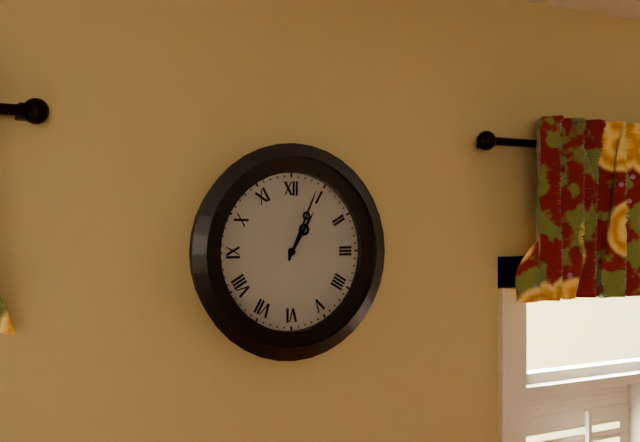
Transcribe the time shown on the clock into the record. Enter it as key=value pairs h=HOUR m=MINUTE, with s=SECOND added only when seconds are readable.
h=1 m=4
